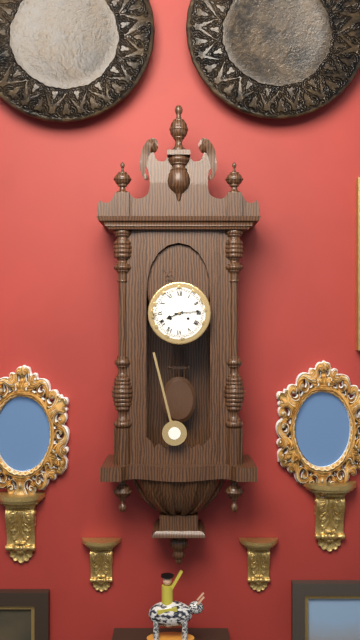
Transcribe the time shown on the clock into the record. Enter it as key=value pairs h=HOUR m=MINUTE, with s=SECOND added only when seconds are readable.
h=8 m=14
